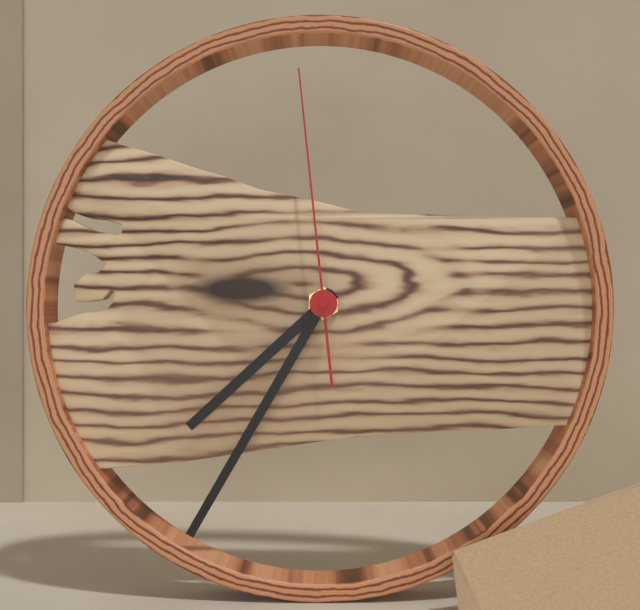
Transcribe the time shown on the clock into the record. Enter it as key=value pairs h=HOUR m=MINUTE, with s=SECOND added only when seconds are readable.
h=7 m=35 s=59
